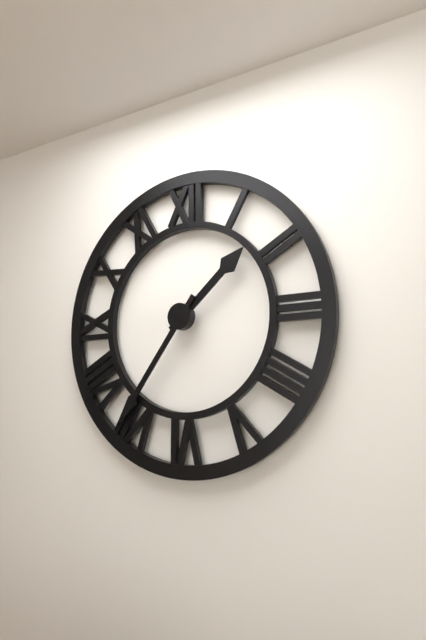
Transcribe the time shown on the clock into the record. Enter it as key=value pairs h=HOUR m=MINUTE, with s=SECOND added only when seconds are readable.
h=1 m=36
